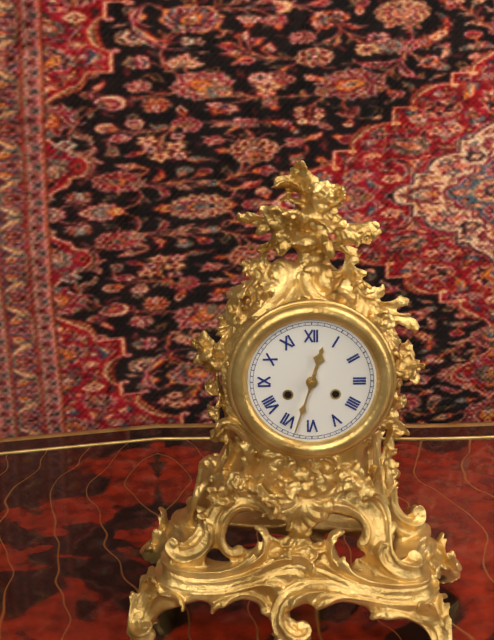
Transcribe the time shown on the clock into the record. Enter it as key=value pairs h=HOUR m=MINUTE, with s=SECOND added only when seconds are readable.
h=12 m=33
